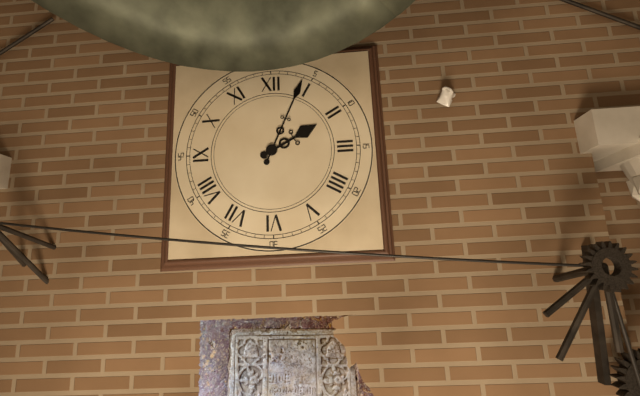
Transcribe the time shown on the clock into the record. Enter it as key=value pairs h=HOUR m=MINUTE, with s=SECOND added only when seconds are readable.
h=2 m=4
